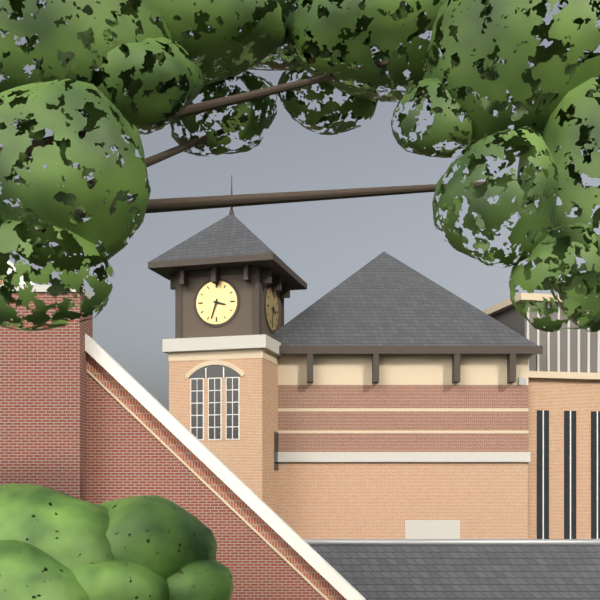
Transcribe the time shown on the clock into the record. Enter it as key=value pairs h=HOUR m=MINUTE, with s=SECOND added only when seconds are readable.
h=3 m=33
